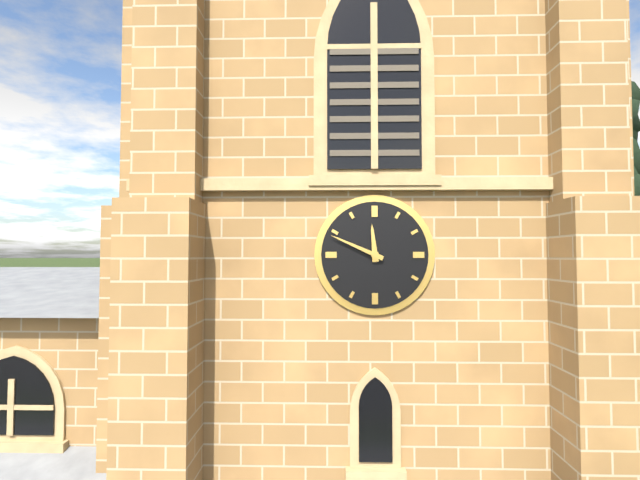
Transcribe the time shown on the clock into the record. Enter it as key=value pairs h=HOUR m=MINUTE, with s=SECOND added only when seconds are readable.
h=11 m=49
